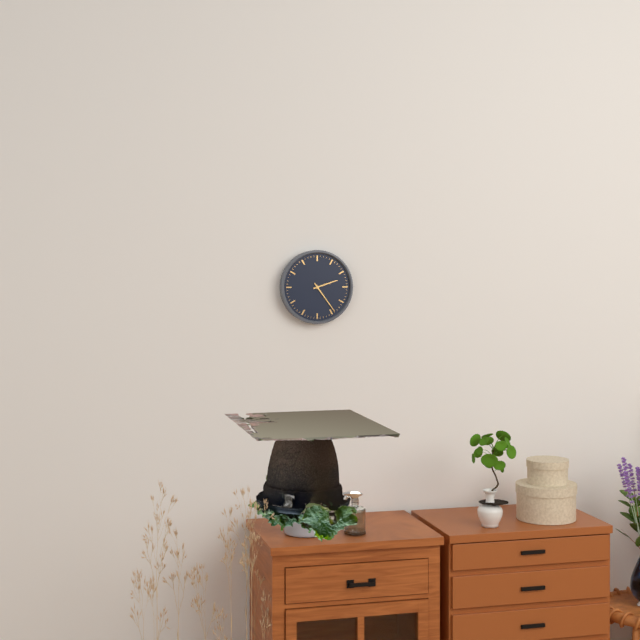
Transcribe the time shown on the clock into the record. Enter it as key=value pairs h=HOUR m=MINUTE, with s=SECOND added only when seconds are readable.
h=2 m=24
